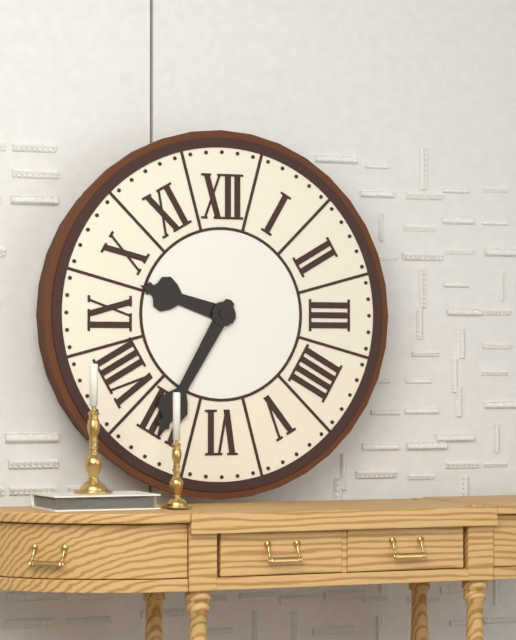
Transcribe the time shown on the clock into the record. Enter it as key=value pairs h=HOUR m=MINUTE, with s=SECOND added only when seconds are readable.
h=9 m=35
